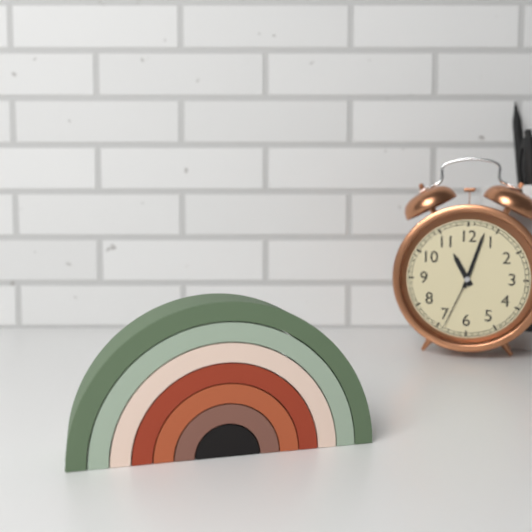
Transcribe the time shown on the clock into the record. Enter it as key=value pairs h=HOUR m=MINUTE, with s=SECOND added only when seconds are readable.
h=11 m=3 s=34
